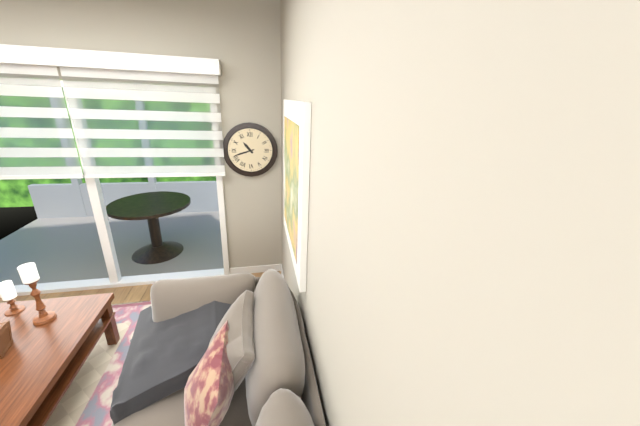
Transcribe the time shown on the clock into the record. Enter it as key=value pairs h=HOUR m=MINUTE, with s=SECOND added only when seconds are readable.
h=10 m=42
